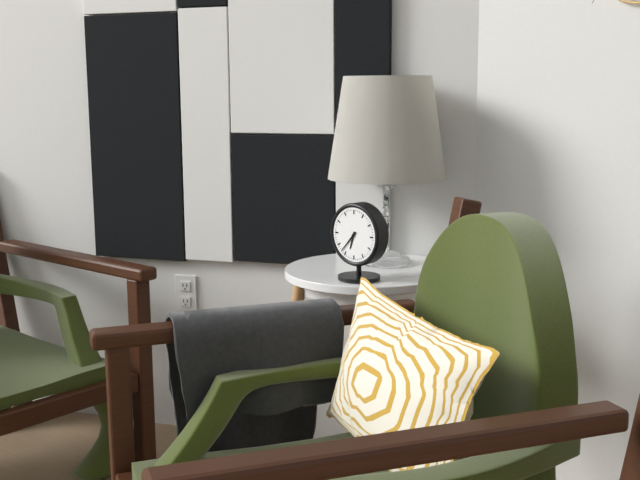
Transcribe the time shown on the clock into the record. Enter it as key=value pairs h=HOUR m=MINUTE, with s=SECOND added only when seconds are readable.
h=6 m=37
